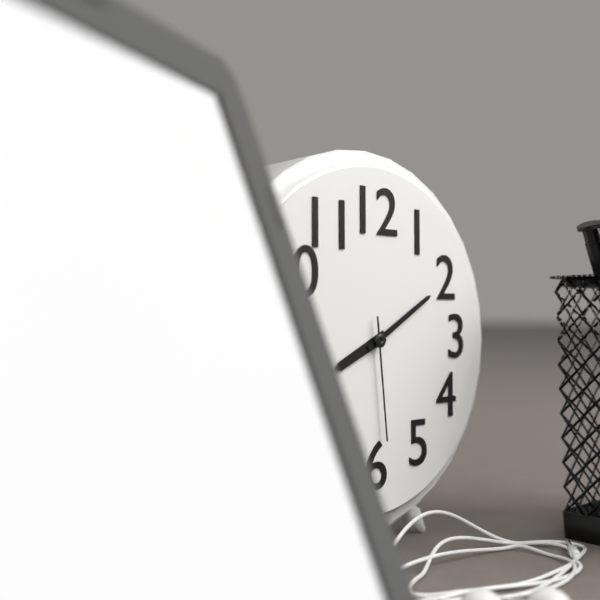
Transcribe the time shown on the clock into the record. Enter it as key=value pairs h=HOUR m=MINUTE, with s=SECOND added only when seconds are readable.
h=8 m=10 s=29
